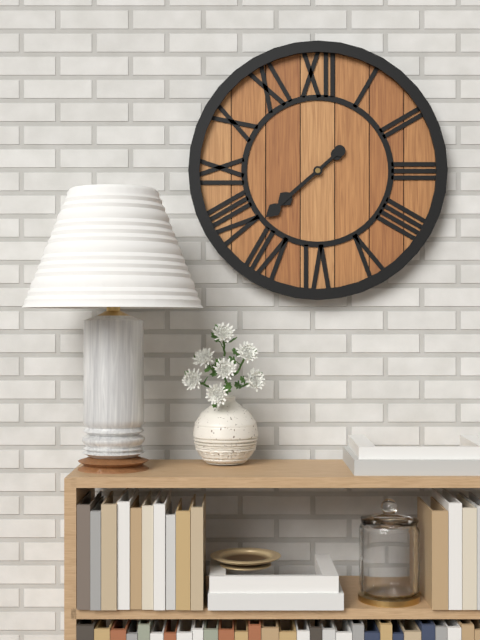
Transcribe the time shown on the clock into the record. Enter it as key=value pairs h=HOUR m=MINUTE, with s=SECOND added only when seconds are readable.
h=7 m=38
